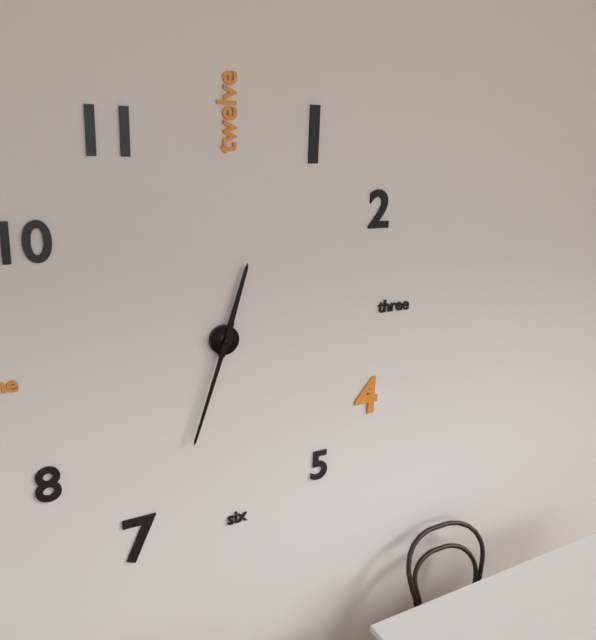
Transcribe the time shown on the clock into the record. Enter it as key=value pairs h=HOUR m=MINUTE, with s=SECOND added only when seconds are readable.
h=12 m=33
